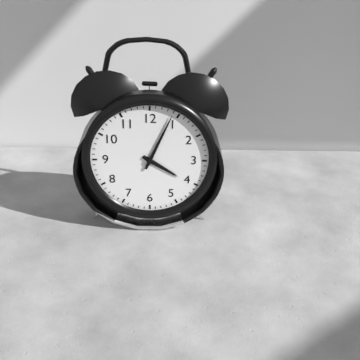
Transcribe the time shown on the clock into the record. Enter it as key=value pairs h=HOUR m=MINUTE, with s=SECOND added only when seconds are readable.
h=4 m=4
